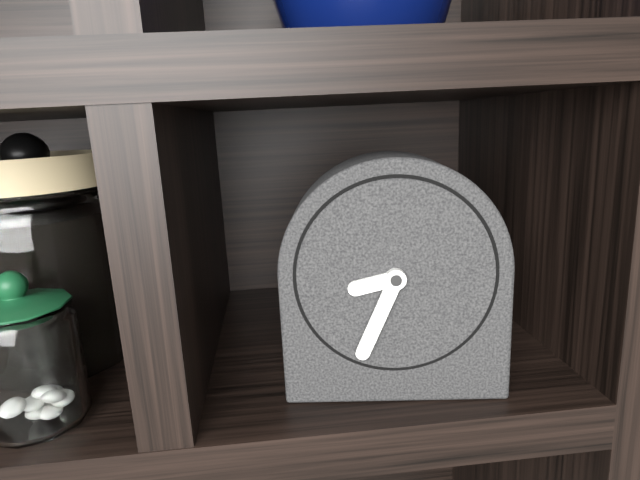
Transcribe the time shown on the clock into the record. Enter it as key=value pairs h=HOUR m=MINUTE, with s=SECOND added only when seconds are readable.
h=8 m=34
